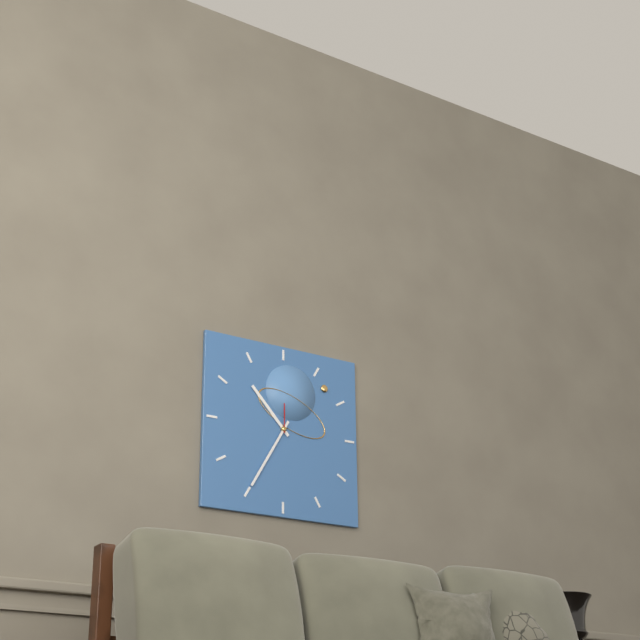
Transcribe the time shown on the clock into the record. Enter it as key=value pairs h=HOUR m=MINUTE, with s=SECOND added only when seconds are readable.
h=10 m=35
